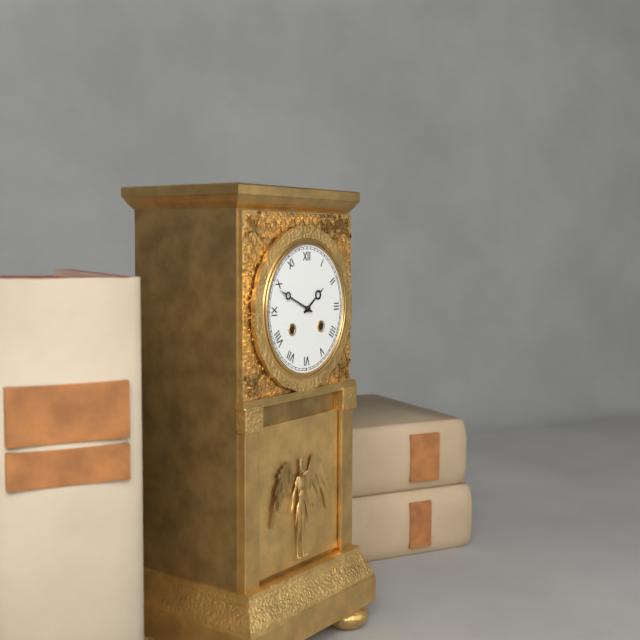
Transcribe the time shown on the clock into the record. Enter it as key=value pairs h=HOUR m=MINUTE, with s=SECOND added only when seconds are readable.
h=1 m=49
